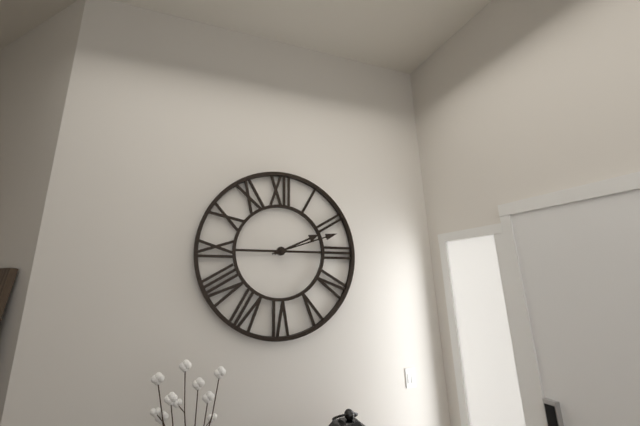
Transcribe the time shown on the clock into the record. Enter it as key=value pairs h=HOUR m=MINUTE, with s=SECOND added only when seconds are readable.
h=2 m=12
